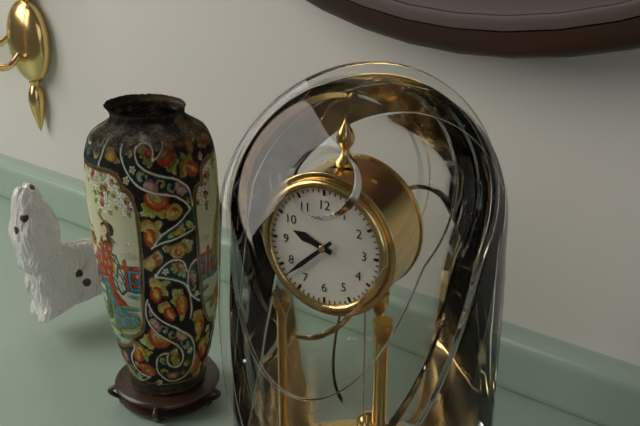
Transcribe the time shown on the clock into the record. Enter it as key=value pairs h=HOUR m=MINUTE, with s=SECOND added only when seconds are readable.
h=9 m=38
